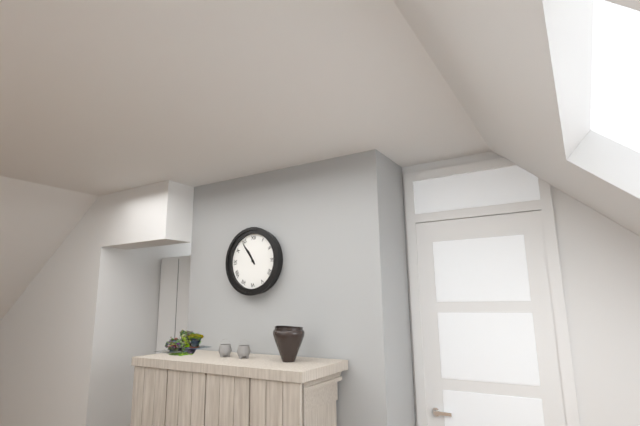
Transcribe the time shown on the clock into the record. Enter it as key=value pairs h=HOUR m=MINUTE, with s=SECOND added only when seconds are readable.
h=10 m=54
